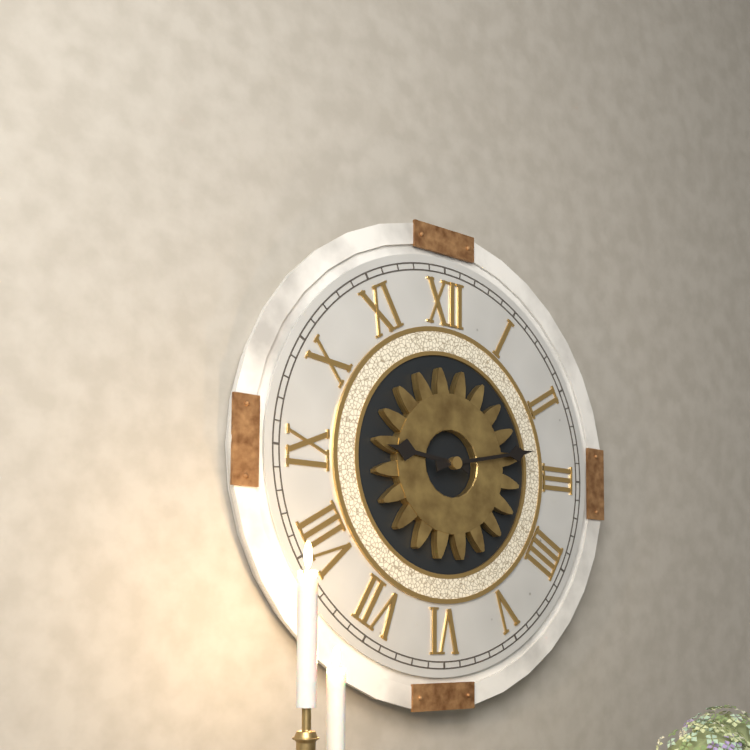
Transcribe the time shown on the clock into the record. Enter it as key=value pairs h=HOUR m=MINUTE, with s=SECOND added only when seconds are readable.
h=9 m=13
